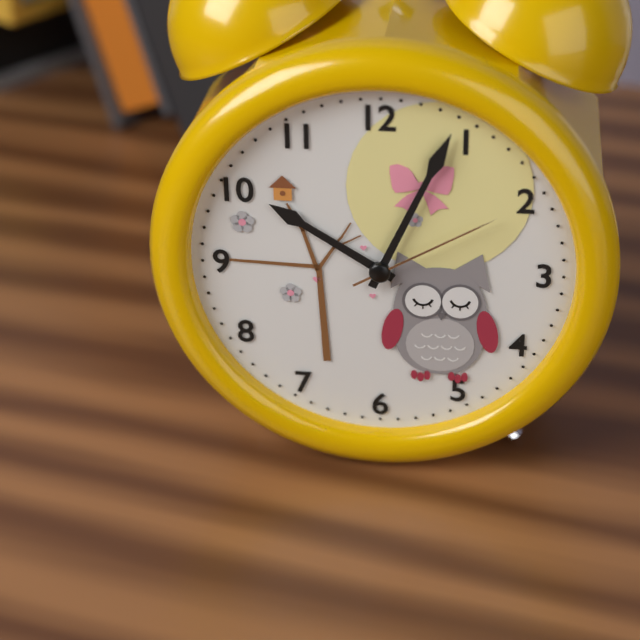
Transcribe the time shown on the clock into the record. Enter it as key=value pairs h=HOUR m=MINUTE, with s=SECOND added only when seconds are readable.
h=10 m=4 s=10
